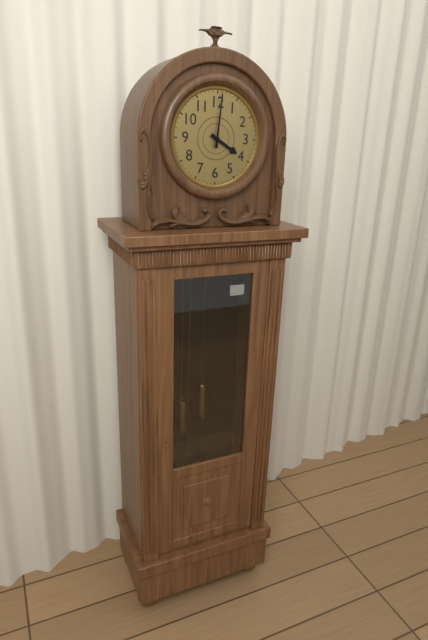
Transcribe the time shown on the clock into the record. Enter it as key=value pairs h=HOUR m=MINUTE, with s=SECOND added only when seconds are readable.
h=4 m=1
